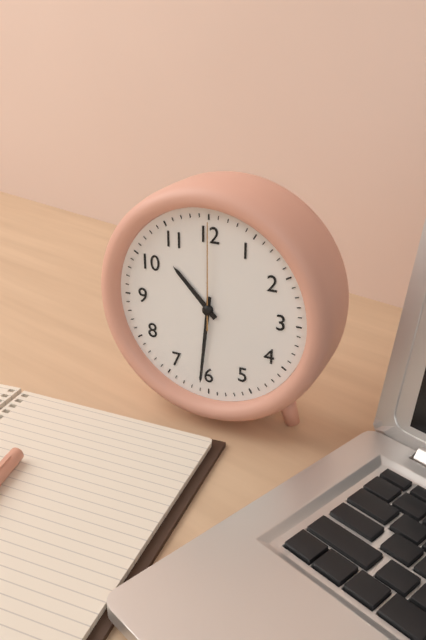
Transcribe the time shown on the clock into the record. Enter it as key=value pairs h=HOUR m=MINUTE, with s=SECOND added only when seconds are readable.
h=10 m=31 s=0
